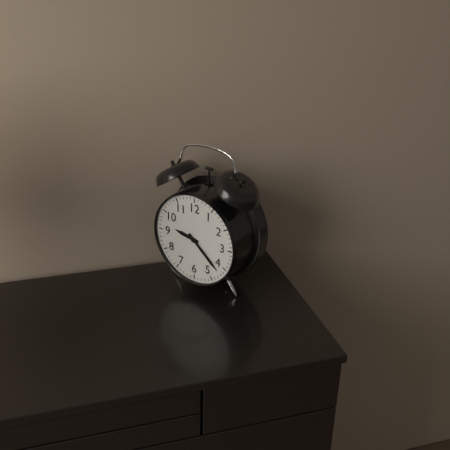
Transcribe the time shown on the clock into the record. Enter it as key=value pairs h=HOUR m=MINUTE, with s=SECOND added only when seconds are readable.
h=9 m=22
